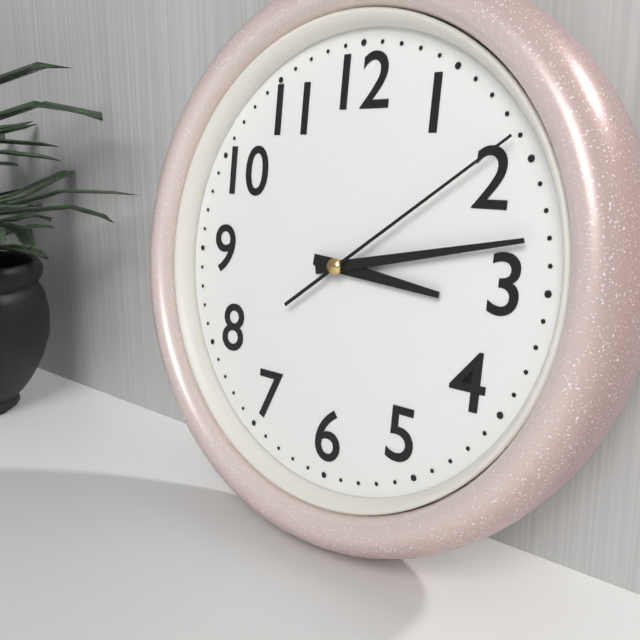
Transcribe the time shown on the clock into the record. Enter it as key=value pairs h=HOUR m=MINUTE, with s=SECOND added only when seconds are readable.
h=3 m=13 s=9
